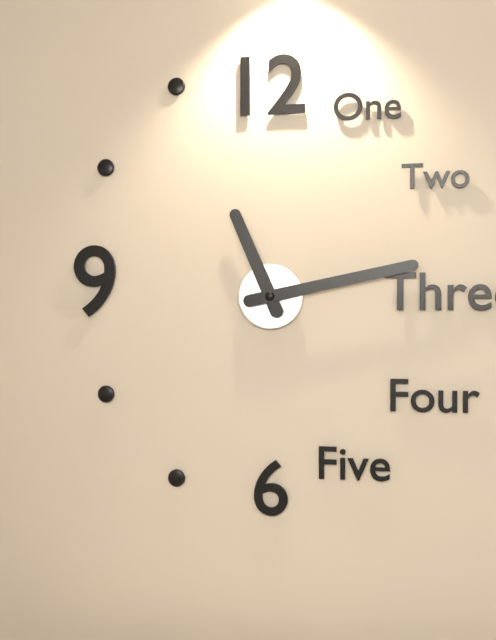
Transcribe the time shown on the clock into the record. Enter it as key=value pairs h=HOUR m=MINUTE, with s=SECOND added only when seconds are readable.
h=11 m=13
